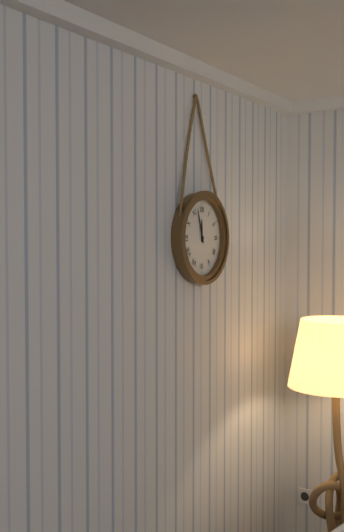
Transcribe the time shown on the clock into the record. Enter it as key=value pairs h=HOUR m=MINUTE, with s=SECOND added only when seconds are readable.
h=11 m=57
